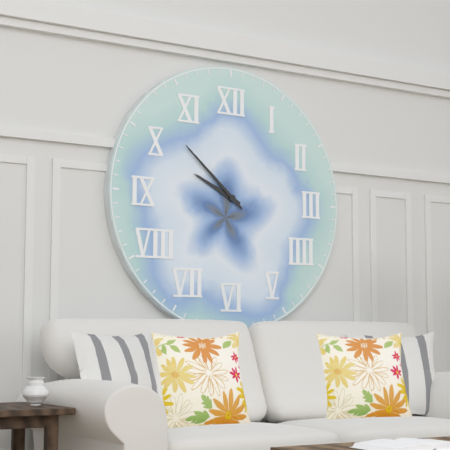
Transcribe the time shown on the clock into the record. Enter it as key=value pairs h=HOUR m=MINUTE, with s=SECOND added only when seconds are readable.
h=9 m=52
